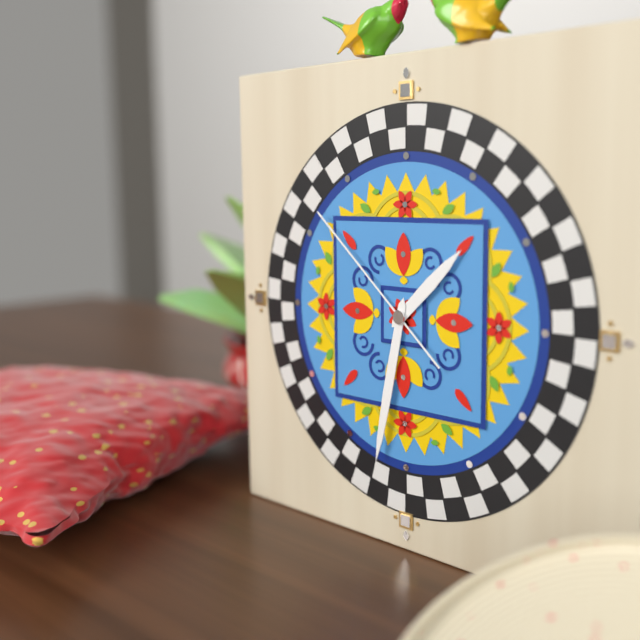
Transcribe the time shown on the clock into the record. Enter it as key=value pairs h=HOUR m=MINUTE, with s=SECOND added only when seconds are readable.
h=1 m=32 s=52
